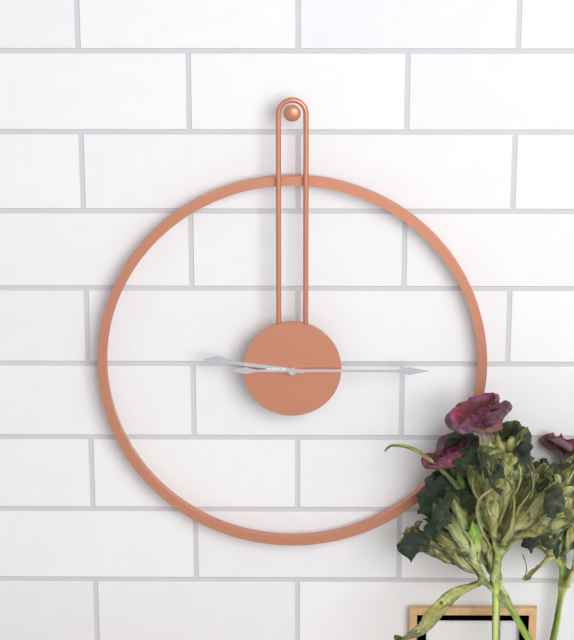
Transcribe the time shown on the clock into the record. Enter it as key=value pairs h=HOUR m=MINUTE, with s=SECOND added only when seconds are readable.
h=9 m=15
